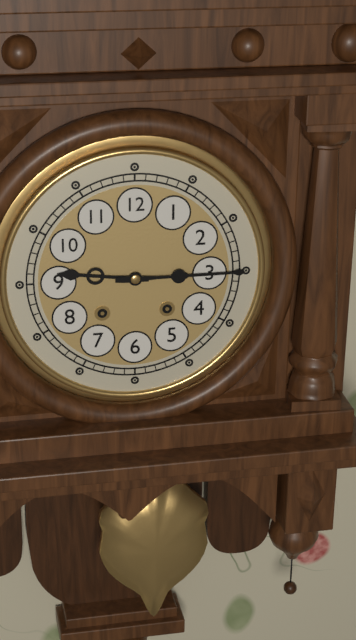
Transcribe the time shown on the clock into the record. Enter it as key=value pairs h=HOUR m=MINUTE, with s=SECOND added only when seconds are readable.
h=9 m=15
